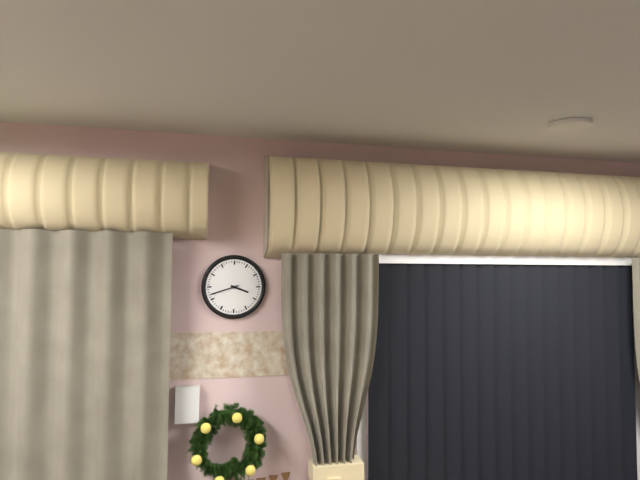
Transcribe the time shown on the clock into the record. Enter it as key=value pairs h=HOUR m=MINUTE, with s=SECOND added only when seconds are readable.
h=3 m=42
